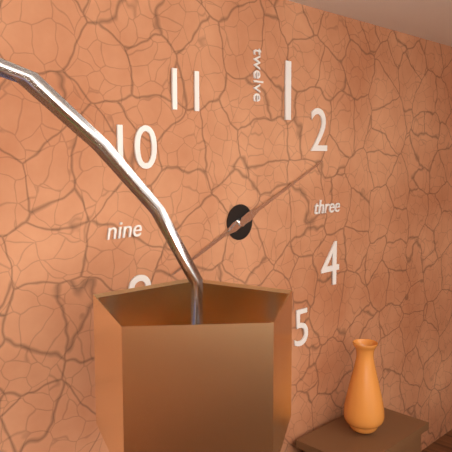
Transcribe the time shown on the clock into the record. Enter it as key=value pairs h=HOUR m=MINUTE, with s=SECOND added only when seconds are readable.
h=8 m=11
